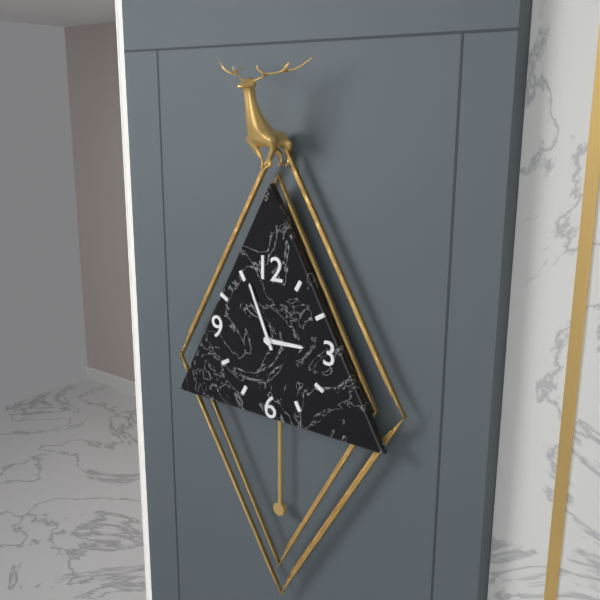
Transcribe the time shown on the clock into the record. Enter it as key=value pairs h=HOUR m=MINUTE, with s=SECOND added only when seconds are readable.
h=2 m=56
